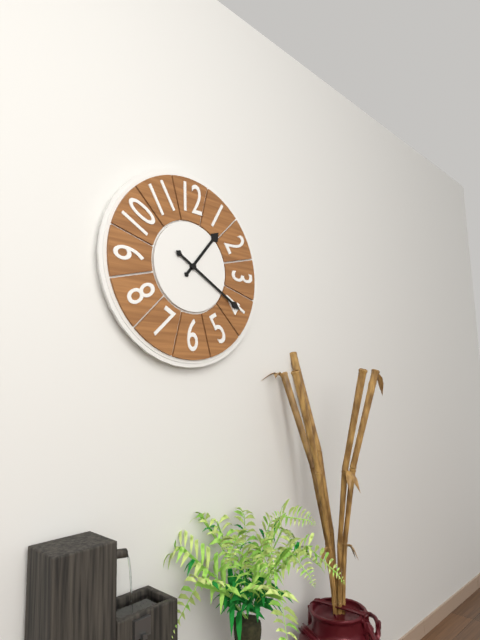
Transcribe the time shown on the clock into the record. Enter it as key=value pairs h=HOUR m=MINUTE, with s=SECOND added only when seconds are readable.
h=1 m=20
